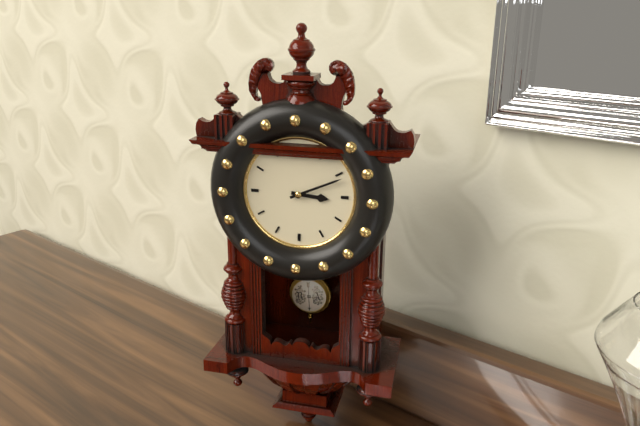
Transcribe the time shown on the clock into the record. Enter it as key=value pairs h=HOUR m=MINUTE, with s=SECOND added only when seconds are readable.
h=3 m=11
